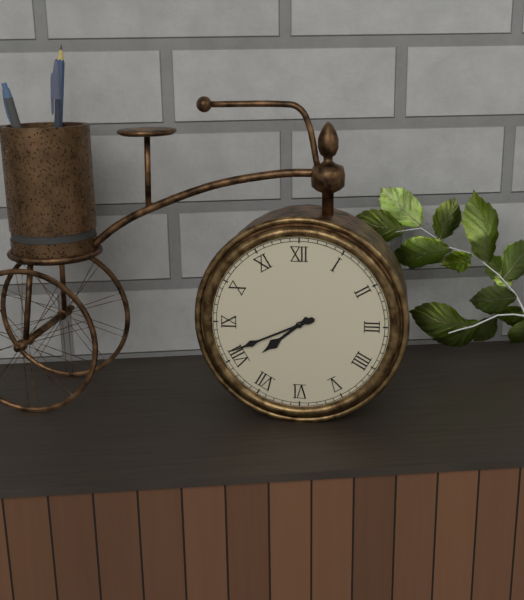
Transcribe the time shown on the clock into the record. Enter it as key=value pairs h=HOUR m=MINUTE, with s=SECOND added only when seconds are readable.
h=7 m=41
